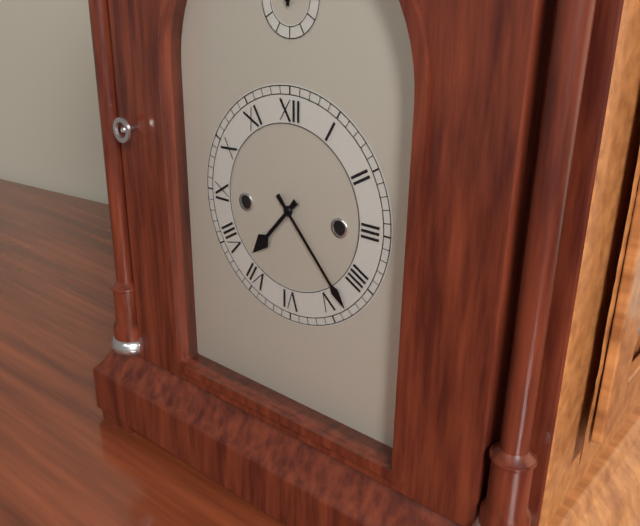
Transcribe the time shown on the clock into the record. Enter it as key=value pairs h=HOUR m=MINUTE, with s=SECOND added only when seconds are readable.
h=7 m=23
